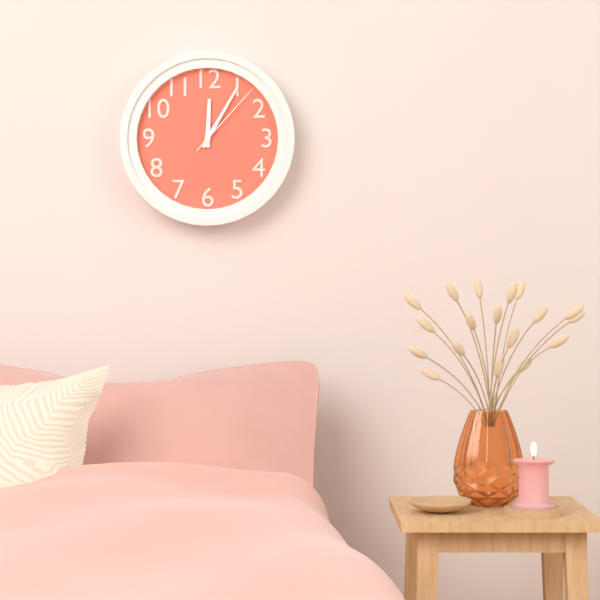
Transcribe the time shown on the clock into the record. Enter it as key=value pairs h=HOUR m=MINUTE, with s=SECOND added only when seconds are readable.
h=12 m=5 s=7
